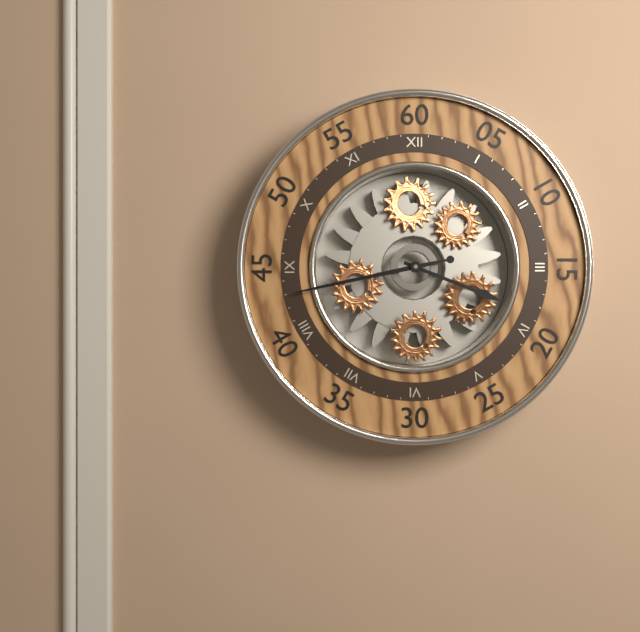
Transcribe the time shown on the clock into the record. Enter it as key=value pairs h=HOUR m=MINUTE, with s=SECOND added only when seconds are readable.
h=3 m=43
